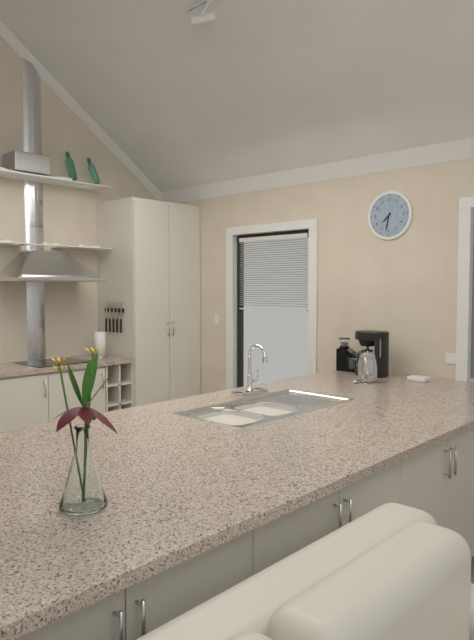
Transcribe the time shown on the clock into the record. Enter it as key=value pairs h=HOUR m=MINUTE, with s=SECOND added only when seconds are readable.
h=7 m=32
